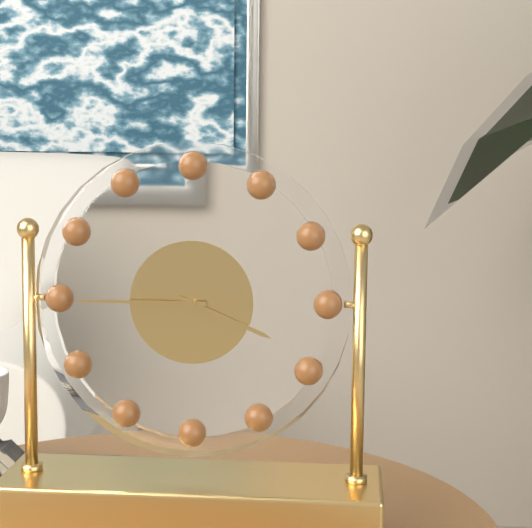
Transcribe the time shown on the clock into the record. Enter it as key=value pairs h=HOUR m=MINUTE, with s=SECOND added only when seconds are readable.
h=3 m=45
